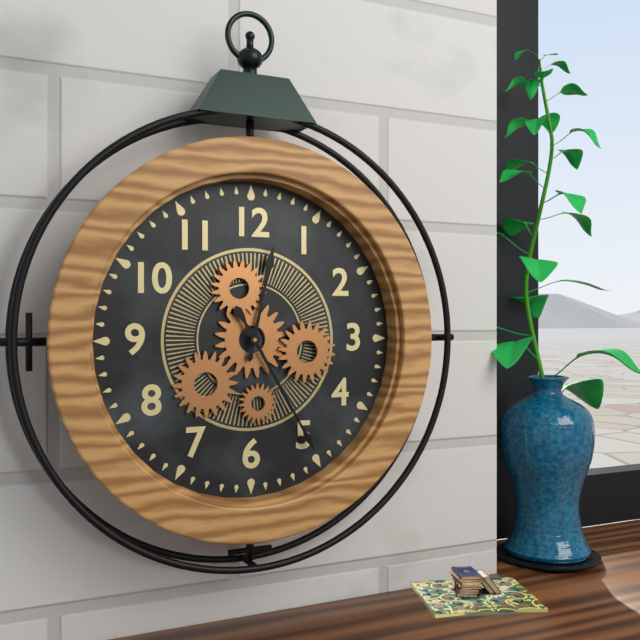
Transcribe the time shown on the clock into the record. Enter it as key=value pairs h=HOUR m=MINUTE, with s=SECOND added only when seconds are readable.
h=12 m=25
